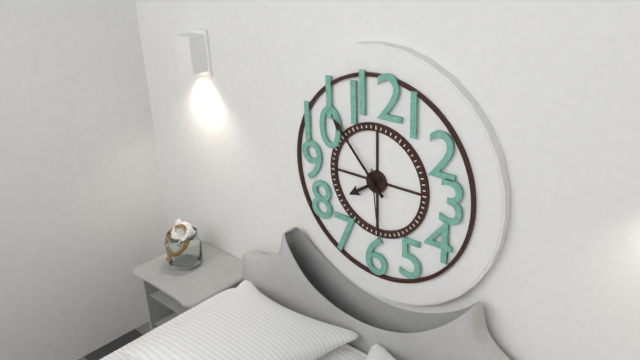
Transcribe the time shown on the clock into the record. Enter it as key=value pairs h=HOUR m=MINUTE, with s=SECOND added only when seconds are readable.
h=7 m=53 s=29
